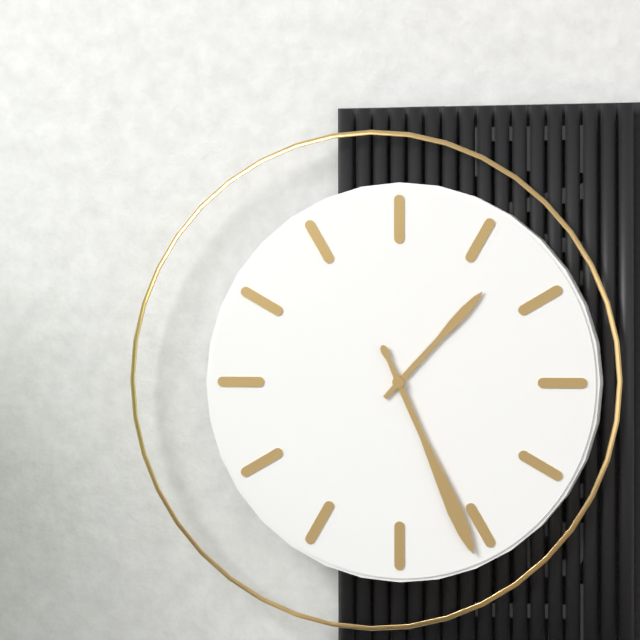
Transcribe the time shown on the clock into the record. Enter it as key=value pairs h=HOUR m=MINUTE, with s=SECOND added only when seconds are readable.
h=1 m=26
